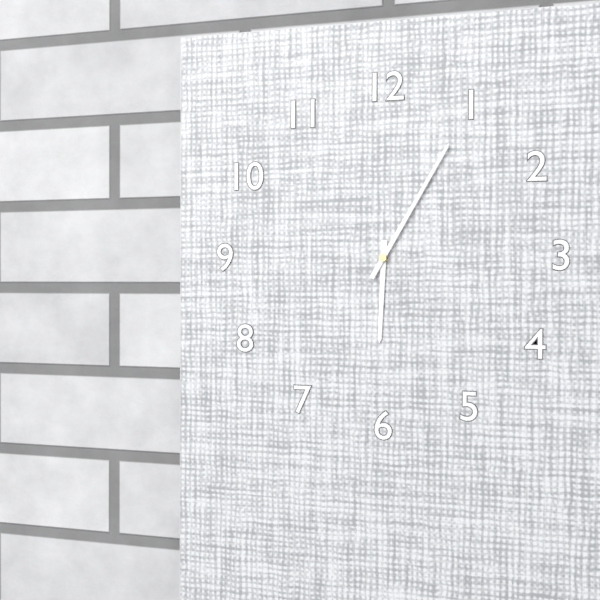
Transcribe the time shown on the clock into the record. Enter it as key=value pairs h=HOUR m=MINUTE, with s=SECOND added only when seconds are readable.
h=6 m=5
